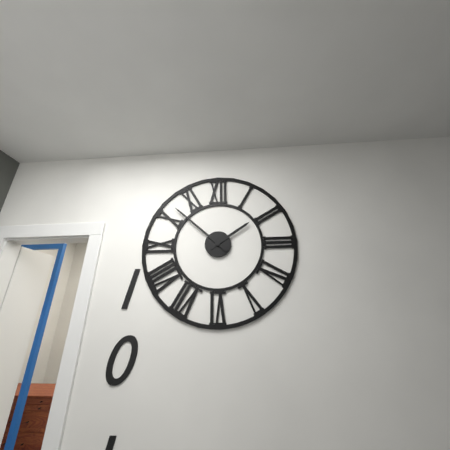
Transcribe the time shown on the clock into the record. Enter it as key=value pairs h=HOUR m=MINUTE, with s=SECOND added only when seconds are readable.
h=1 m=52
